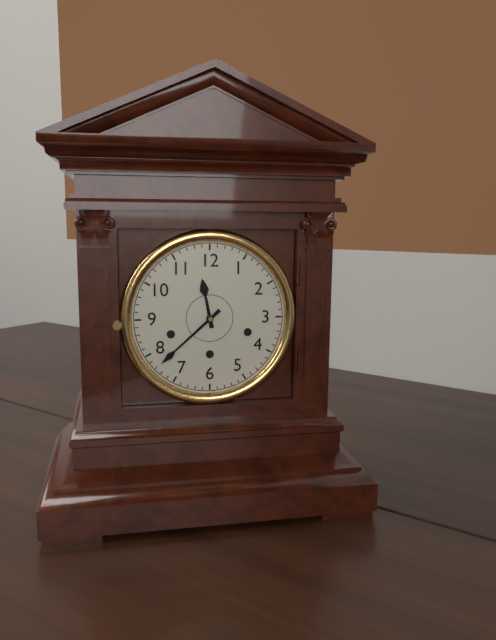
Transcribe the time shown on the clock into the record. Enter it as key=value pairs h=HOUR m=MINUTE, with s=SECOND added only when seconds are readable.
h=11 m=38
